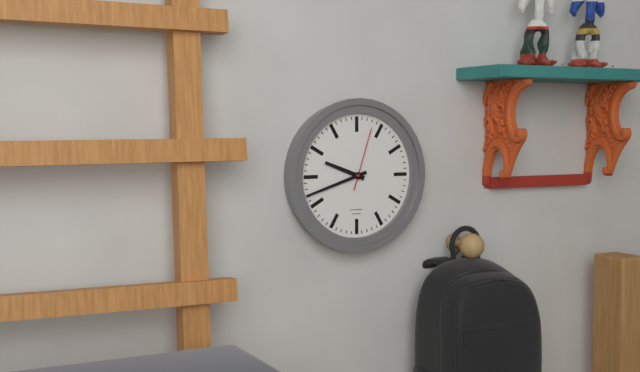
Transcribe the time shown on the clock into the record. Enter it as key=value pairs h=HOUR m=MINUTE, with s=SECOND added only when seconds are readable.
h=9 m=42 s=3
